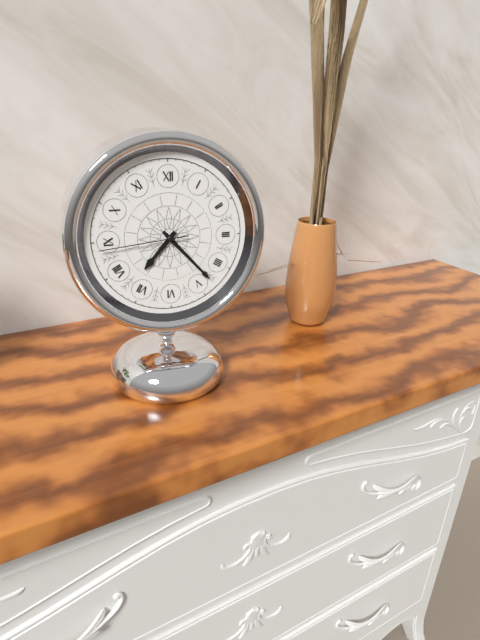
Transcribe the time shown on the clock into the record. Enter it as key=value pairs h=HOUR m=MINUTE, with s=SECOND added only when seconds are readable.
h=7 m=23 s=44
